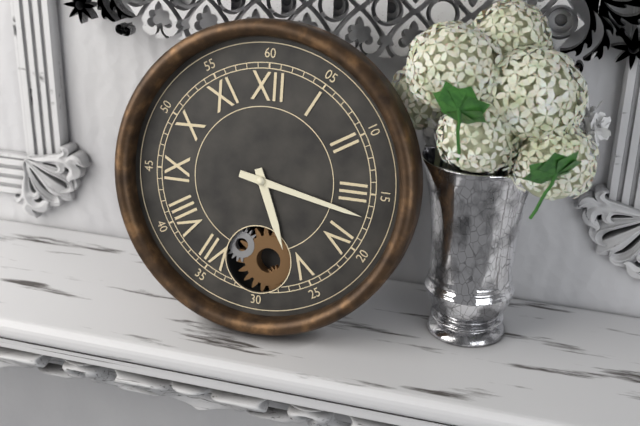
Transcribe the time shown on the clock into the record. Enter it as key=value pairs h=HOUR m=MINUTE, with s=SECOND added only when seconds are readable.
h=5 m=17
